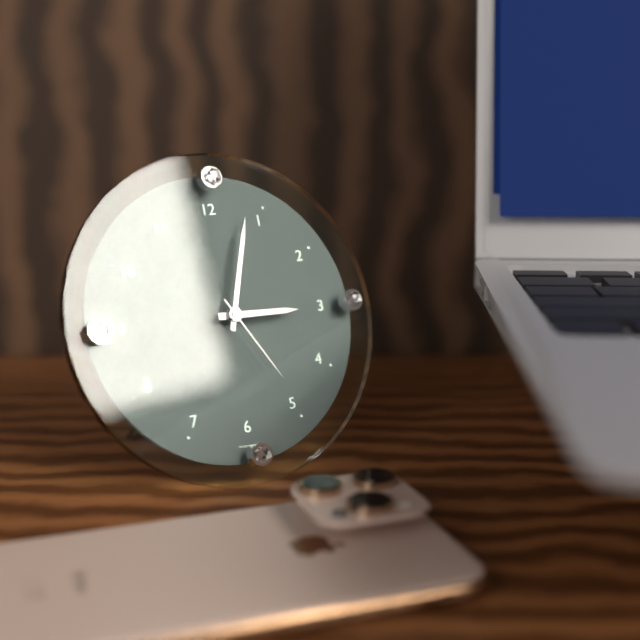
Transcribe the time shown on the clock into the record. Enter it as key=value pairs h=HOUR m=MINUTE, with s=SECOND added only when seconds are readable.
h=3 m=3 s=25
